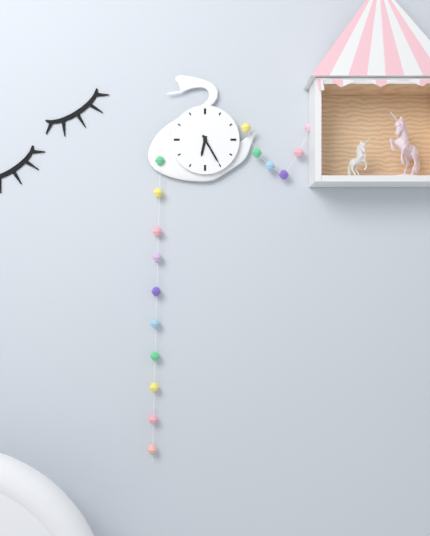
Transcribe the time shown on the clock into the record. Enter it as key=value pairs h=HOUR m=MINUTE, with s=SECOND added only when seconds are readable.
h=6 m=25
